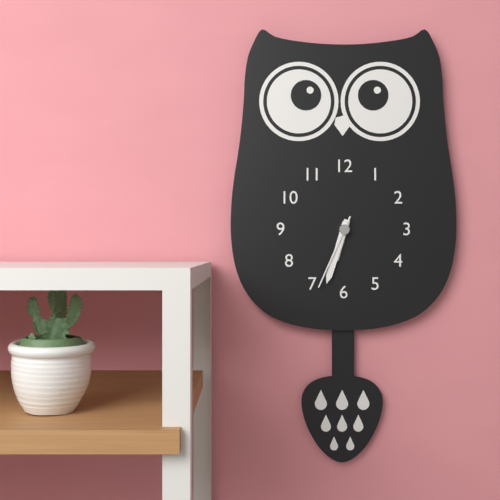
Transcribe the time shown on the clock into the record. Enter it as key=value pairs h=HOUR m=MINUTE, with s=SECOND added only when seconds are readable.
h=6 m=33 s=34
